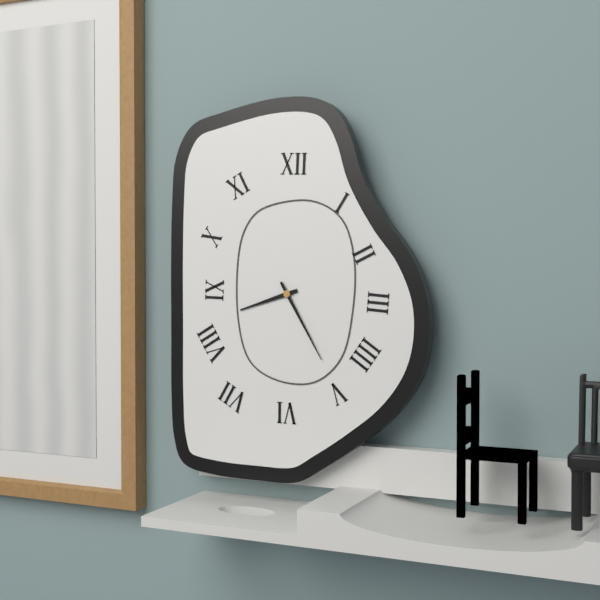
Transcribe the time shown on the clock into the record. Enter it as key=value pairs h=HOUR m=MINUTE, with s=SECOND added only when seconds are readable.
h=8 m=25
